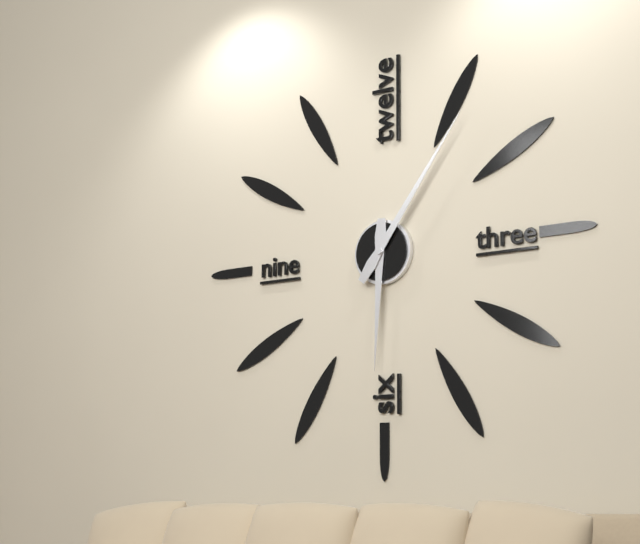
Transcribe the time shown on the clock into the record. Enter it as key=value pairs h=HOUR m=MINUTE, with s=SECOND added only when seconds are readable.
h=6 m=6
